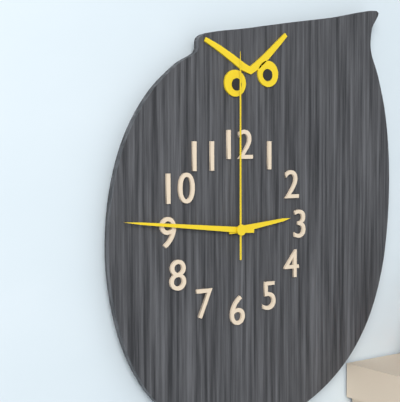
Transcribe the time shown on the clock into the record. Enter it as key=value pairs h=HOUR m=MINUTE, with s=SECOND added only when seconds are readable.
h=2 m=46 s=0
